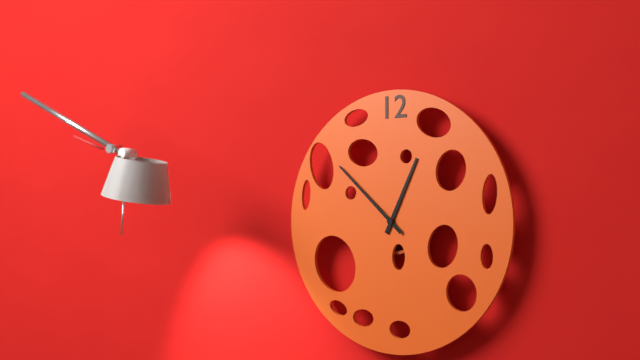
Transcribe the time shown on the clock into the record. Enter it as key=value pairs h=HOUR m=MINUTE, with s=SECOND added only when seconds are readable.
h=12 m=52
